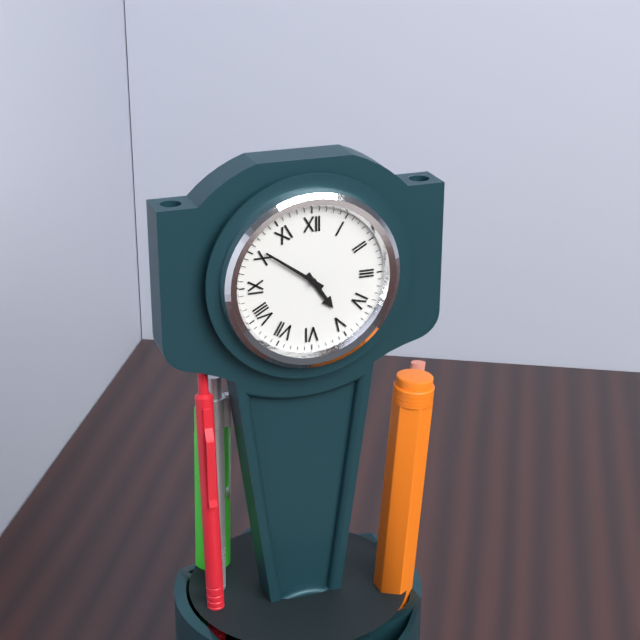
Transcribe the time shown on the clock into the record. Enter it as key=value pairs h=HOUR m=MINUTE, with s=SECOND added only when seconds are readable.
h=4 m=51
